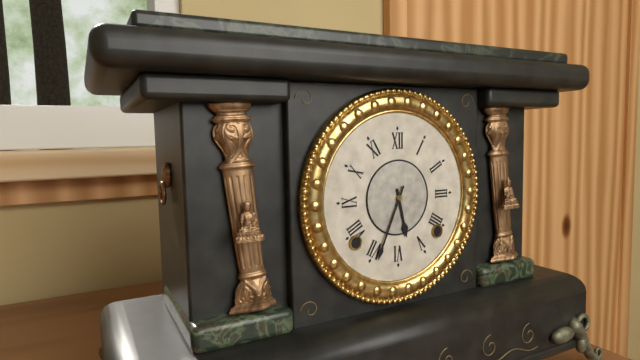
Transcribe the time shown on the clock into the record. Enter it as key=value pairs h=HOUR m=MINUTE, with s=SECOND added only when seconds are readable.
h=5 m=34
